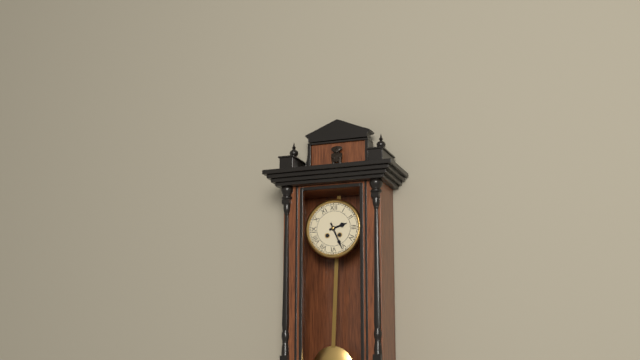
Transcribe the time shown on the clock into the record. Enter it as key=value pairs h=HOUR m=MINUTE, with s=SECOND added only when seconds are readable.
h=2 m=26
